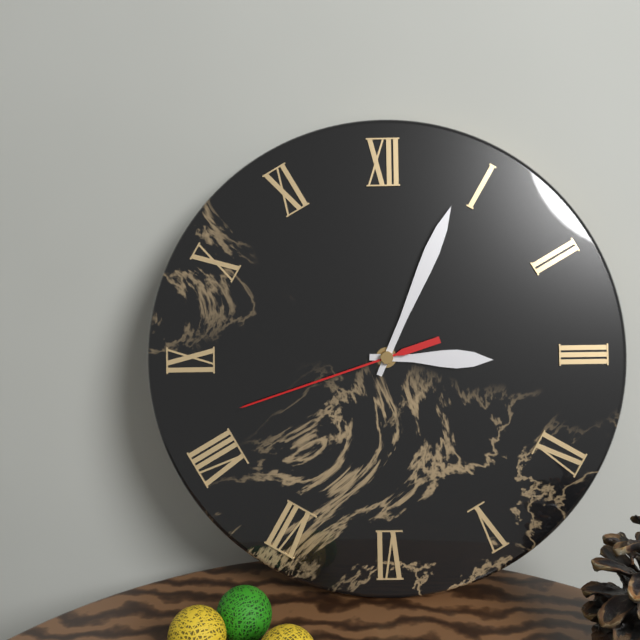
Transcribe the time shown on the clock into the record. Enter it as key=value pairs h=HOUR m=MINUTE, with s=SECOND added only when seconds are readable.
h=3 m=4 s=42
